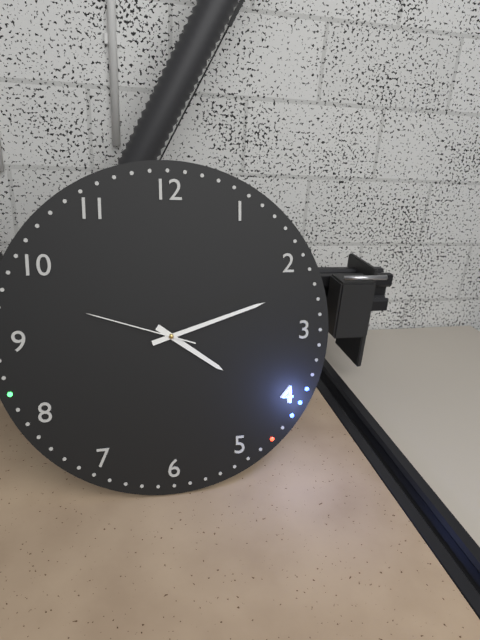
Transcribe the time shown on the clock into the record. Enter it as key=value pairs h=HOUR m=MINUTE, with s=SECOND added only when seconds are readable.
h=4 m=12 s=48
